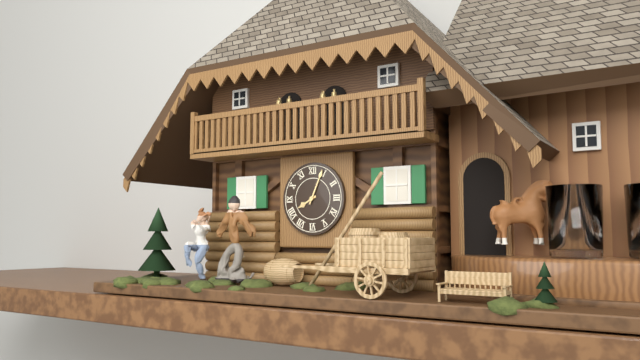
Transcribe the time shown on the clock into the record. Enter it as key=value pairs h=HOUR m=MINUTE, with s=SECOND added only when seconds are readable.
h=8 m=4
